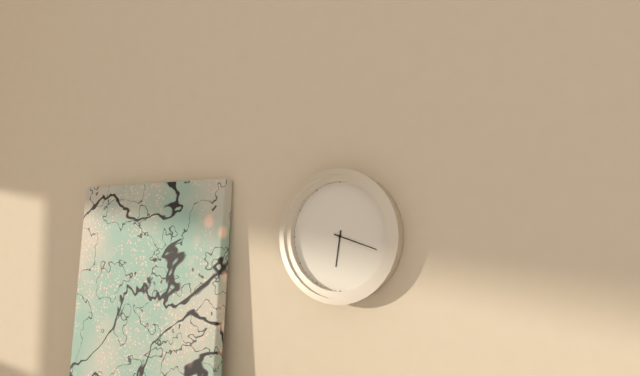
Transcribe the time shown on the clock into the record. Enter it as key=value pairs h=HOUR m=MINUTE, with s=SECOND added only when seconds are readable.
h=6 m=18
